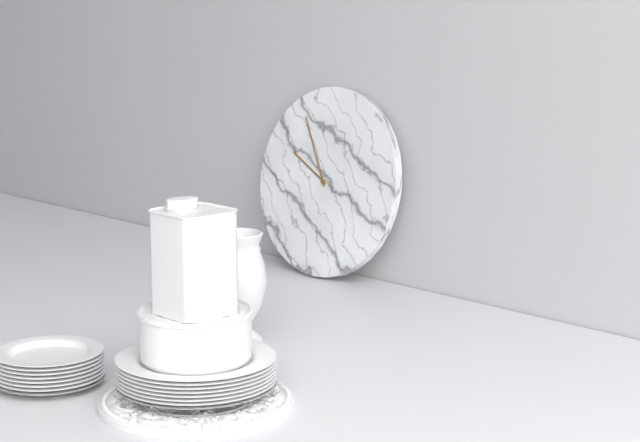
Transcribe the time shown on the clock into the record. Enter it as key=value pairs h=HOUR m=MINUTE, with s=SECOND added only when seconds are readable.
h=9 m=55
